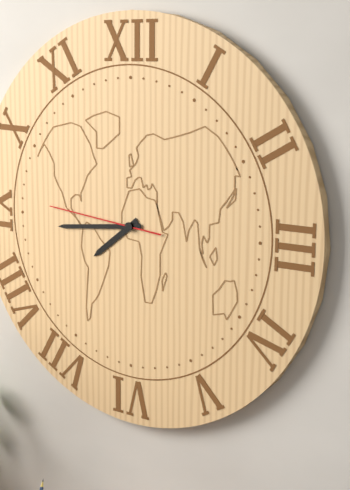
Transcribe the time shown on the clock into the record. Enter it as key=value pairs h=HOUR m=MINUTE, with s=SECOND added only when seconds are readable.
h=7 m=44 s=46
